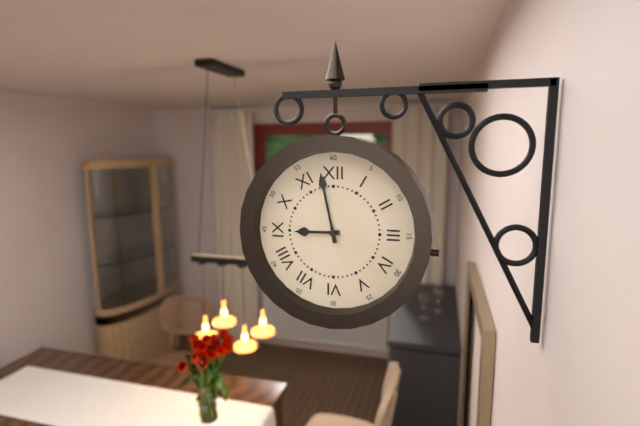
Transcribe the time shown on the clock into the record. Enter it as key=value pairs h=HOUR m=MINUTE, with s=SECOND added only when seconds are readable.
h=8 m=58
